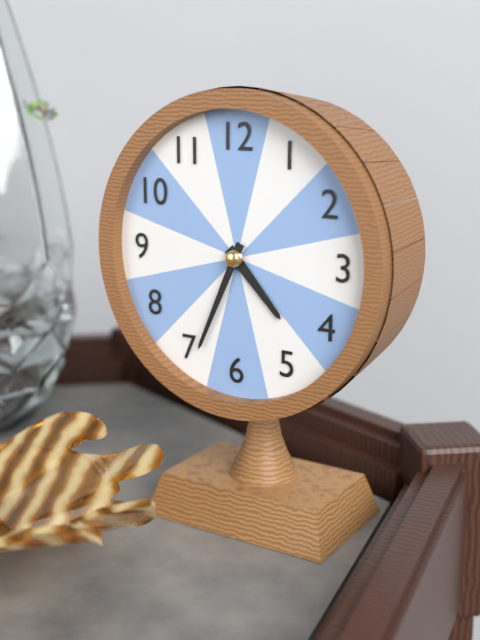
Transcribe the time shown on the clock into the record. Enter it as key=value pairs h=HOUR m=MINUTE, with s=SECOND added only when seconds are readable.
h=4 m=34
